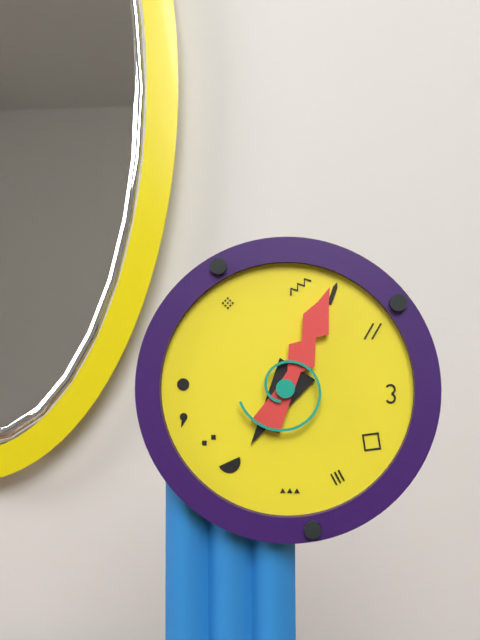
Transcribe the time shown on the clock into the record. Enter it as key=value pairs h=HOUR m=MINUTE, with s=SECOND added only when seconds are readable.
h=7 m=4
